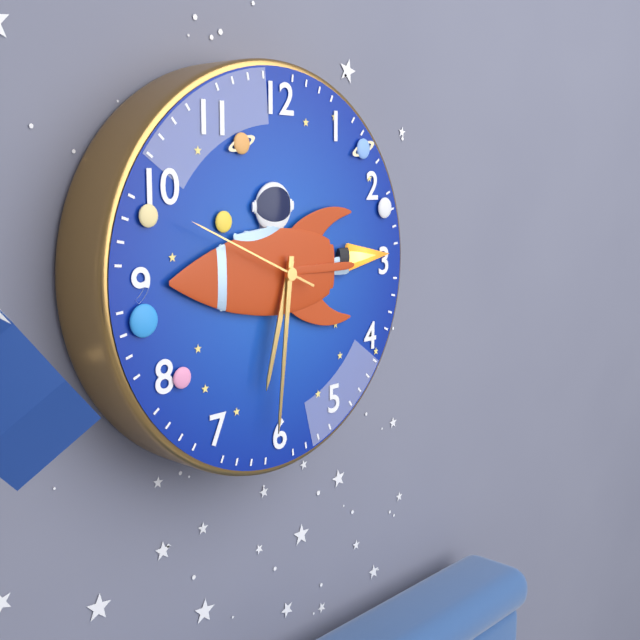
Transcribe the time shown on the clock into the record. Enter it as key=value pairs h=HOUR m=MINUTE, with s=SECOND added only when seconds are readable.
h=6 m=31 s=49
